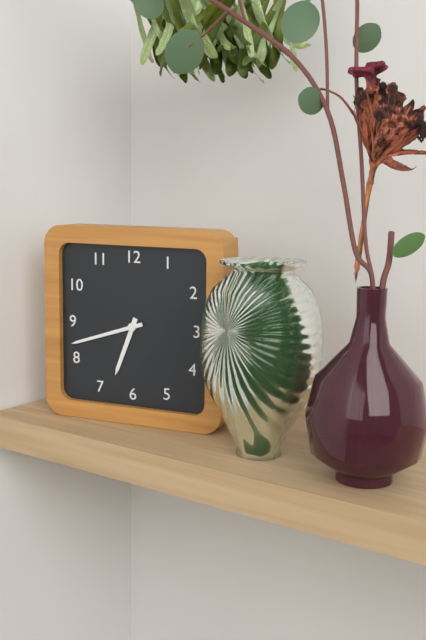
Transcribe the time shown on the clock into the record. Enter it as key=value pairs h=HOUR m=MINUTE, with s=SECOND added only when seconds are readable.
h=6 m=42
